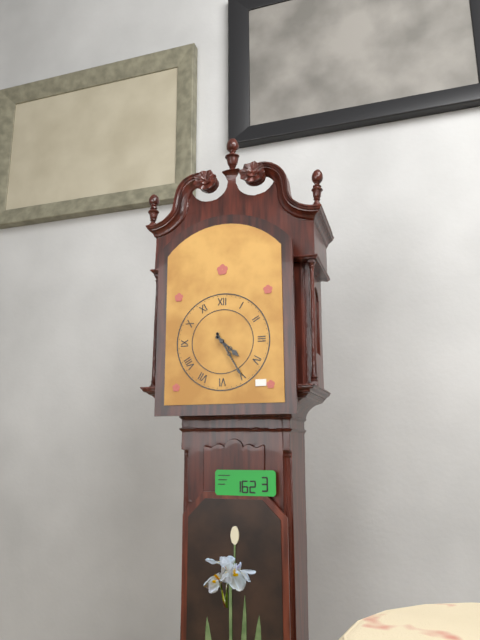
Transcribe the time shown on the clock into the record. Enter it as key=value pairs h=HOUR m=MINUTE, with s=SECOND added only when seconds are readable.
h=4 m=25
